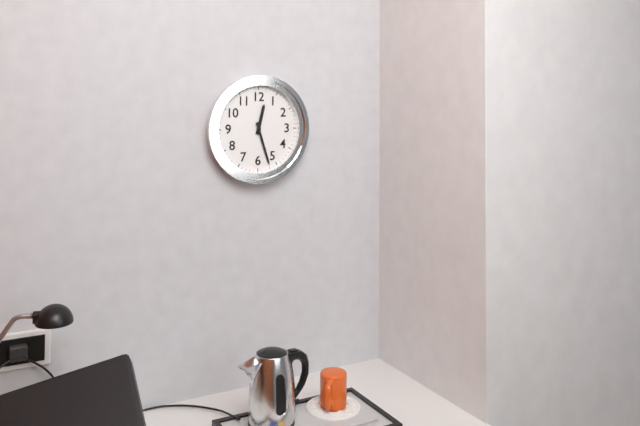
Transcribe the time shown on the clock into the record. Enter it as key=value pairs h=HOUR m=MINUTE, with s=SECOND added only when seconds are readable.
h=12 m=27
